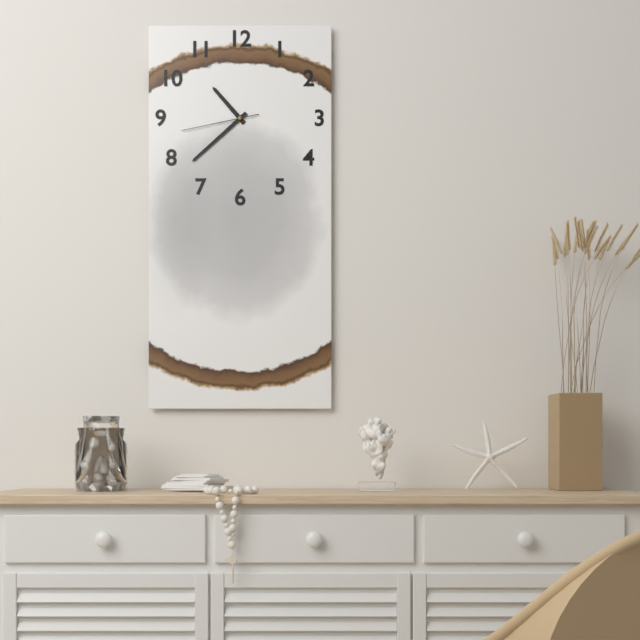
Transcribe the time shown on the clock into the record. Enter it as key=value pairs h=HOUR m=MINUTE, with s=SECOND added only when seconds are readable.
h=10 m=38 s=43
